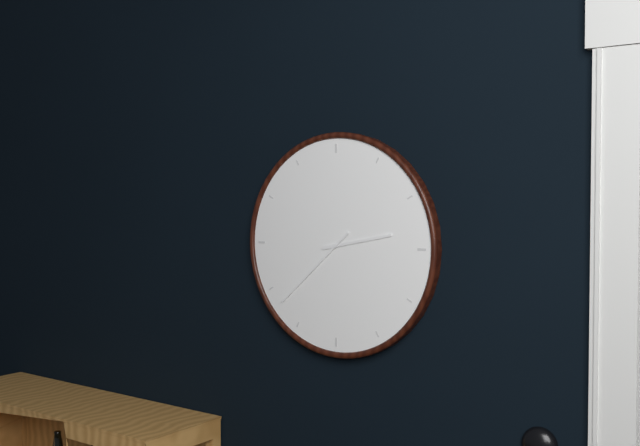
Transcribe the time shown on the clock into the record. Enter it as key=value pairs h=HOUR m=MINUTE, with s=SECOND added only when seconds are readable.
h=2 m=38
